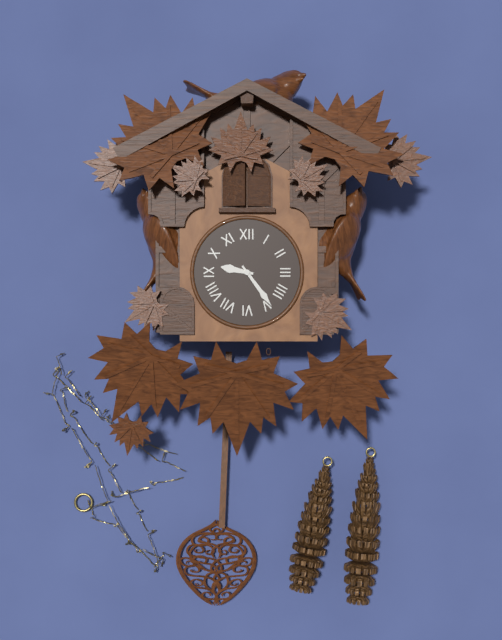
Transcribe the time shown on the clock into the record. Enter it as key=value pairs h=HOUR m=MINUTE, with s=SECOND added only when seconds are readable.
h=9 m=24
